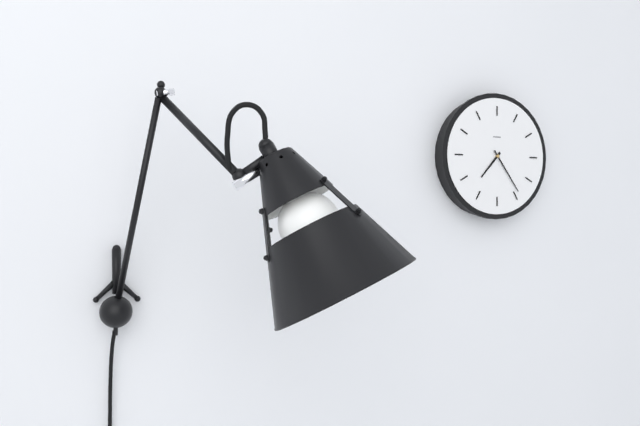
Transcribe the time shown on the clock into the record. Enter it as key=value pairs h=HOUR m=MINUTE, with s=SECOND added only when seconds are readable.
h=7 m=24
